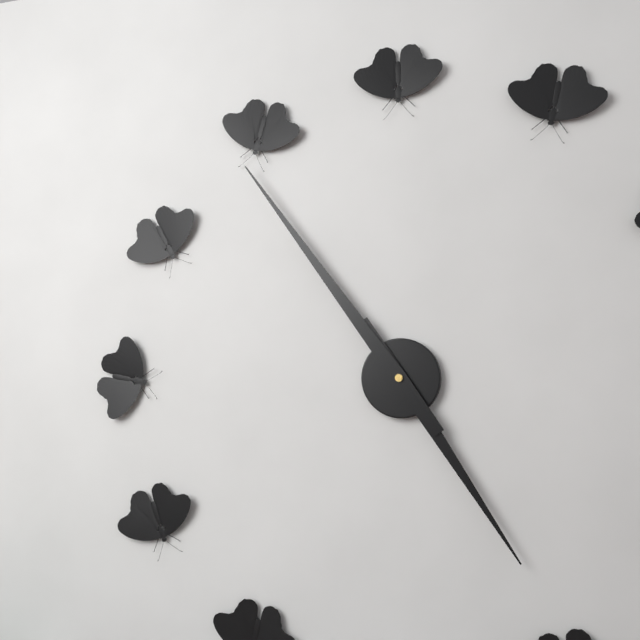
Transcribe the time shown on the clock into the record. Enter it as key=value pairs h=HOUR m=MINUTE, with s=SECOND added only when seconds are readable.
h=4 m=54
